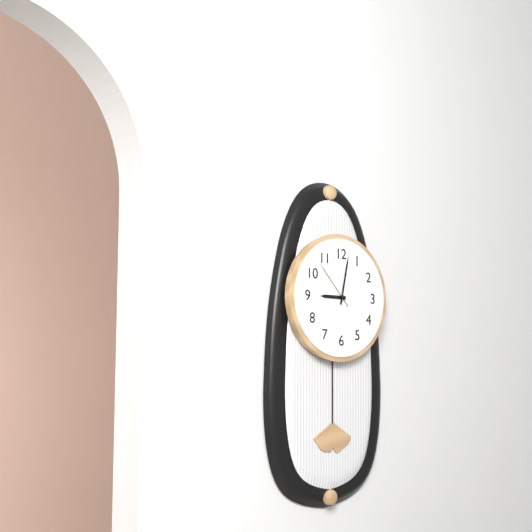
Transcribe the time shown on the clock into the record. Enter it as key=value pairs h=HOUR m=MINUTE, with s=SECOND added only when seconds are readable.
h=9 m=2 s=53
